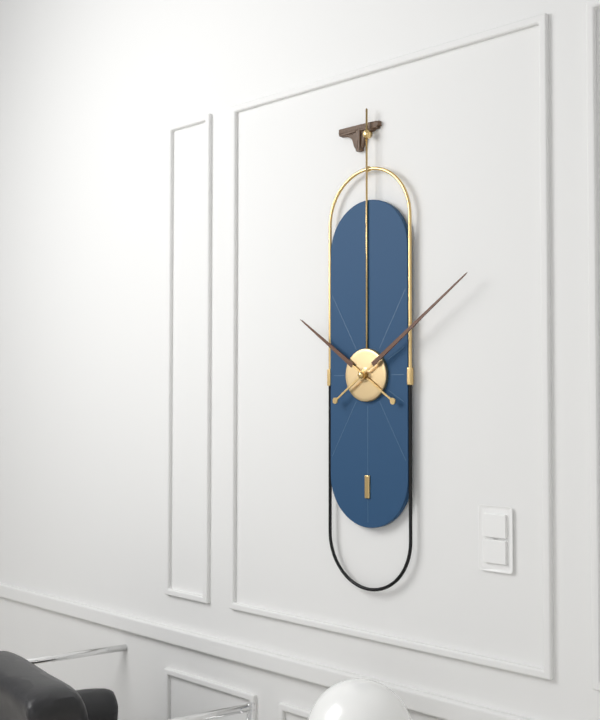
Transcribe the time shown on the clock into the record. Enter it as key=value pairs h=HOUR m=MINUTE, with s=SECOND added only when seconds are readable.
h=10 m=9
